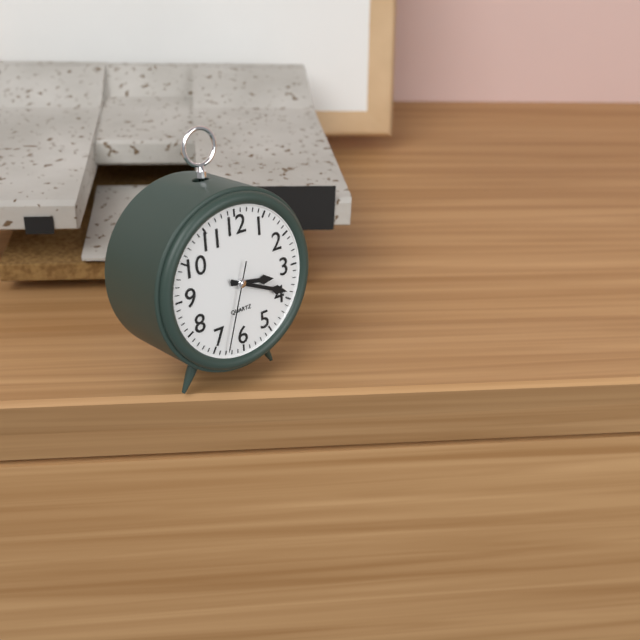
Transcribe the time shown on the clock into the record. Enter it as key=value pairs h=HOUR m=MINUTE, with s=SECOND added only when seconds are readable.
h=3 m=19 s=33
